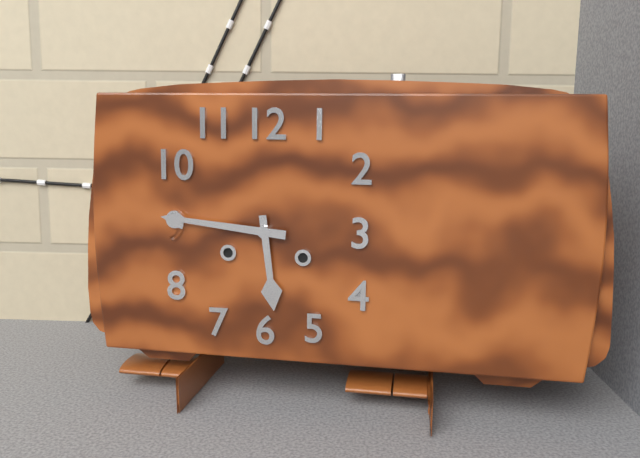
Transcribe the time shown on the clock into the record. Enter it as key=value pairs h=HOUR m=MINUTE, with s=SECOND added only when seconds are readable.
h=5 m=46
